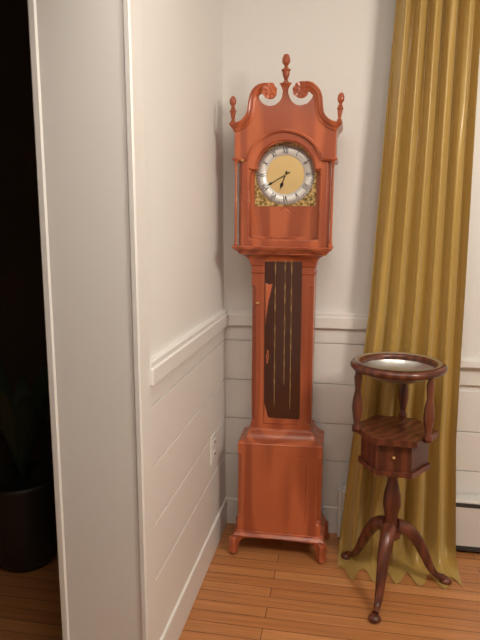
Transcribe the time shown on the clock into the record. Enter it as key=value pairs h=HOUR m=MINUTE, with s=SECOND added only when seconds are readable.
h=6 m=40
